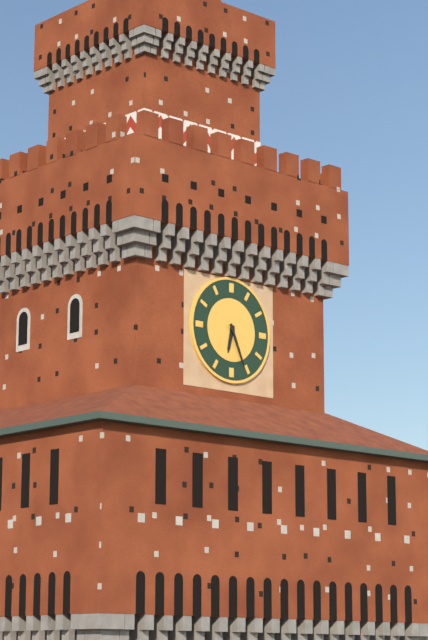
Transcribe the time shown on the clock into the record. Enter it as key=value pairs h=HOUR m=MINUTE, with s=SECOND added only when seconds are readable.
h=6 m=26
